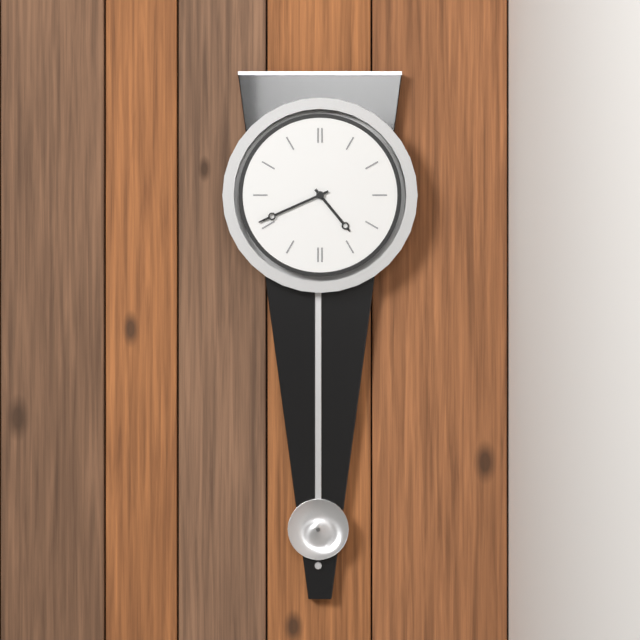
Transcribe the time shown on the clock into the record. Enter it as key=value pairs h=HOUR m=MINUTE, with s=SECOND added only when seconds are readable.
h=4 m=41
